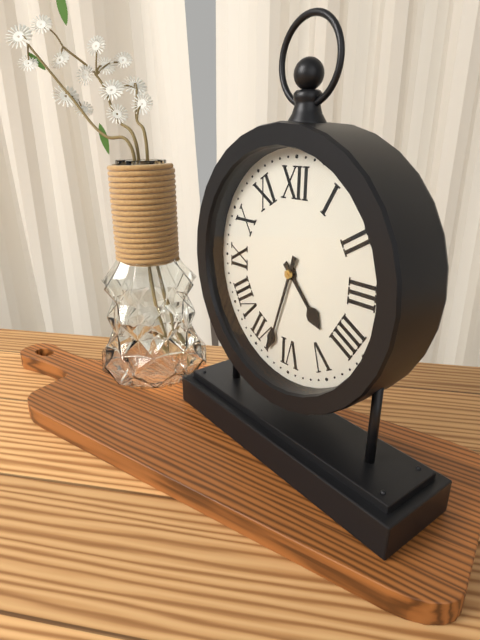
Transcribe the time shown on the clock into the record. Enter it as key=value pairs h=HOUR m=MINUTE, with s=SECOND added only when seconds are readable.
h=4 m=33
